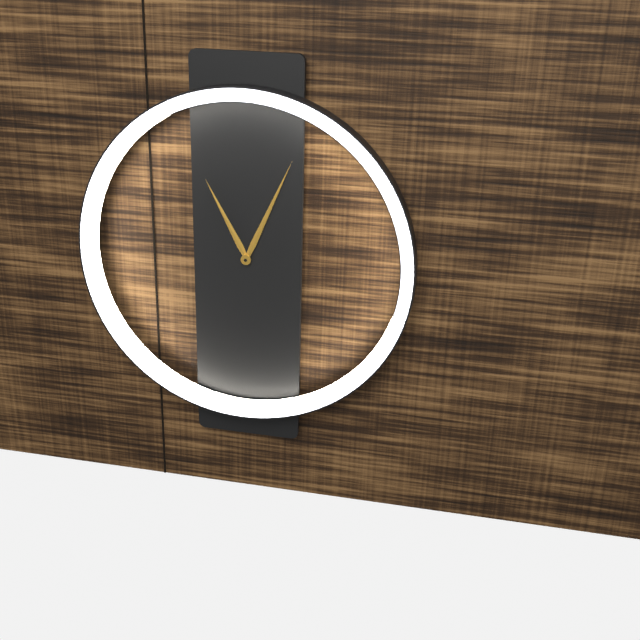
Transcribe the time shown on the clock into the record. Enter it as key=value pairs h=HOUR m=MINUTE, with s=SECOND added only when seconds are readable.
h=11 m=4
